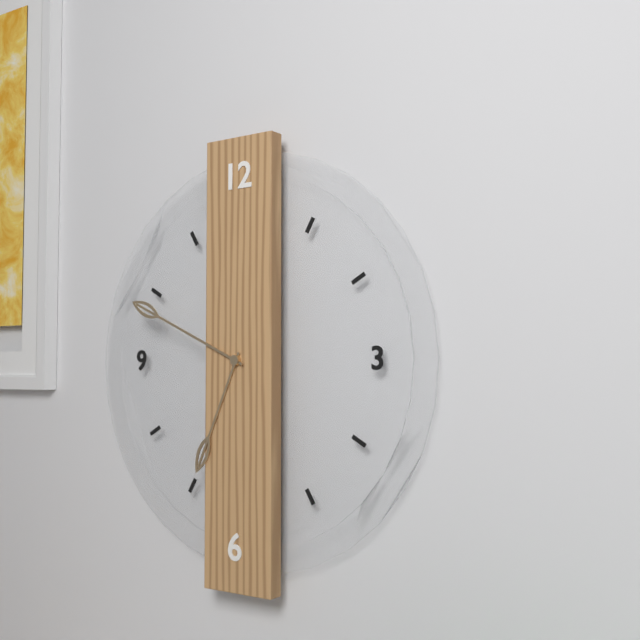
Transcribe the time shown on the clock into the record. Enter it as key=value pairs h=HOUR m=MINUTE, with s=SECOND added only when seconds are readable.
h=6 m=49
